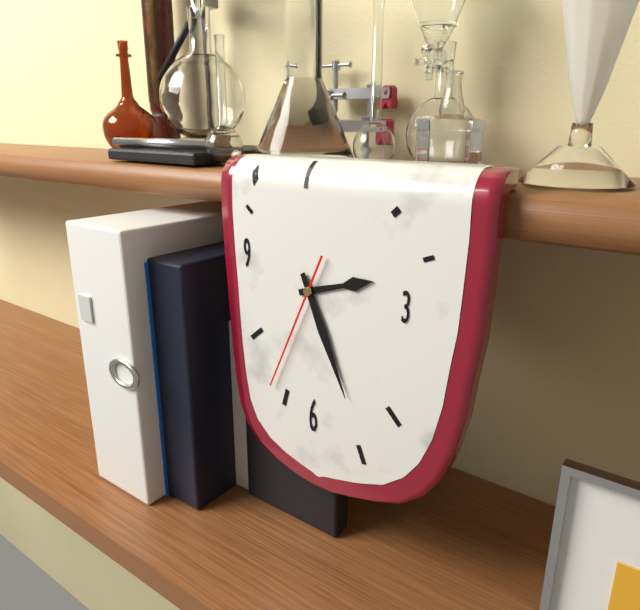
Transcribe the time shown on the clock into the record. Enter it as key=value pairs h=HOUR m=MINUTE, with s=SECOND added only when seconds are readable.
h=2 m=26 s=34
